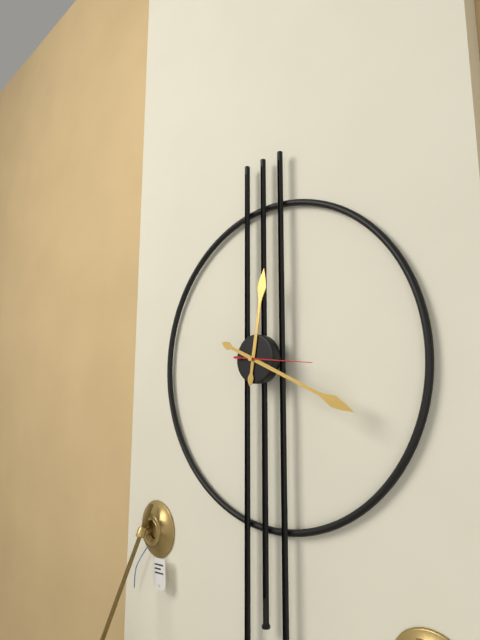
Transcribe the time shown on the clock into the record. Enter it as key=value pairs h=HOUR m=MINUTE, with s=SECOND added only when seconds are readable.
h=12 m=19 s=16
